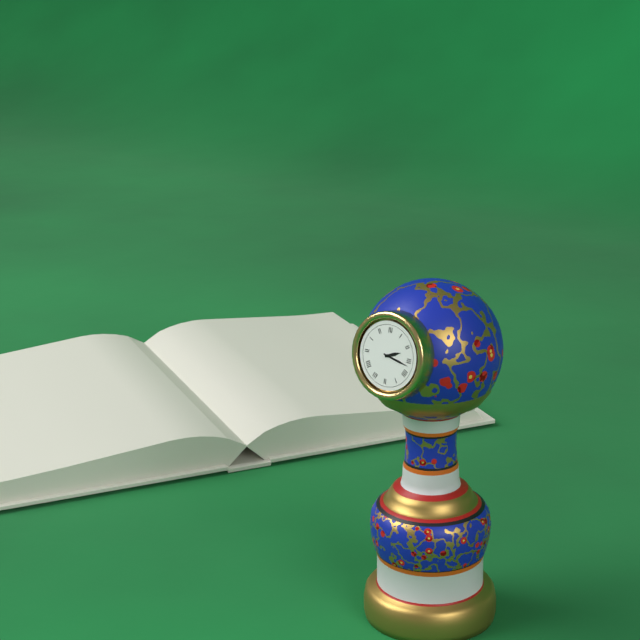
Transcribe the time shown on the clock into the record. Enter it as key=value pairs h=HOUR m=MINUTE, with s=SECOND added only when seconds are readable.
h=2 m=17
